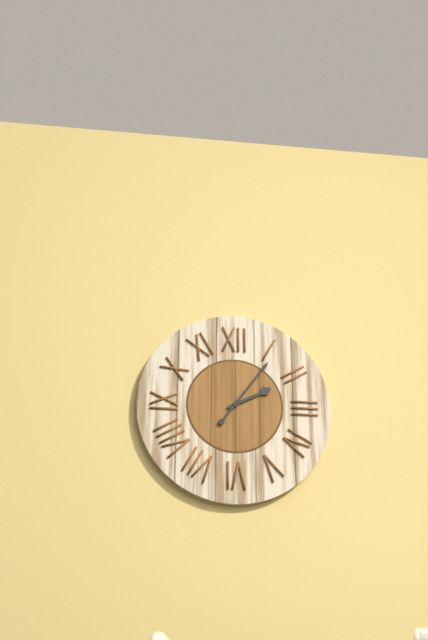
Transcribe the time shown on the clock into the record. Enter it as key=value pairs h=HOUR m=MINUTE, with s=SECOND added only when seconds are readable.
h=2 m=6
